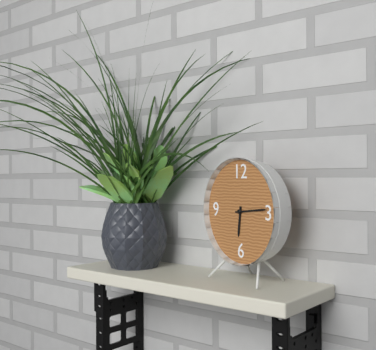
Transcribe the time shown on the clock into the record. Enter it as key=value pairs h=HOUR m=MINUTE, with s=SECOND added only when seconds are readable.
h=6 m=14
